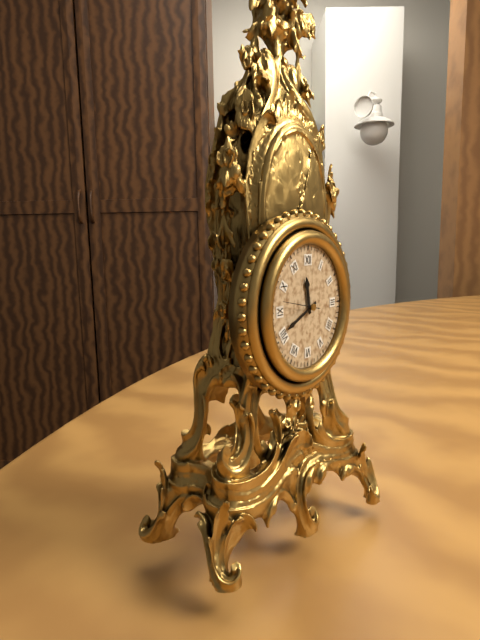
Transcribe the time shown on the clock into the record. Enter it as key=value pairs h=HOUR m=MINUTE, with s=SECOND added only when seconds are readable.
h=11 m=41
